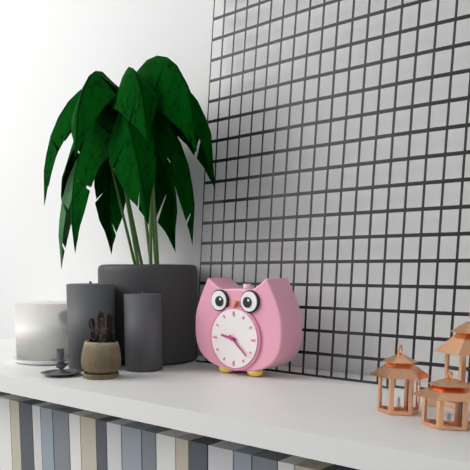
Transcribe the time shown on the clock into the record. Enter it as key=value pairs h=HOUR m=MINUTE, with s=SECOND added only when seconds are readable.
h=9 m=22
